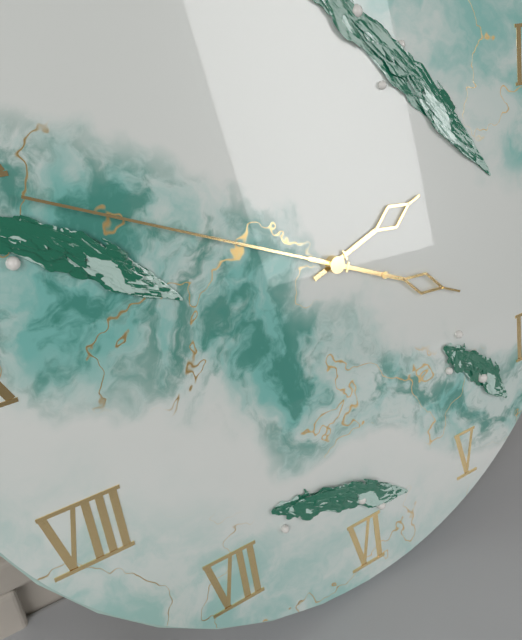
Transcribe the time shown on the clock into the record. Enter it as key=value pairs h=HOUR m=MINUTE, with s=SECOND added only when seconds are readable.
h=2 m=19 s=49
